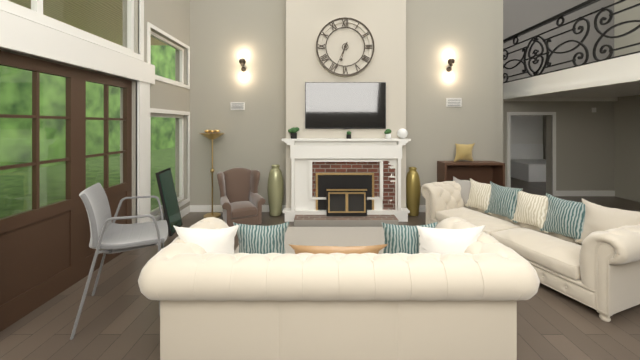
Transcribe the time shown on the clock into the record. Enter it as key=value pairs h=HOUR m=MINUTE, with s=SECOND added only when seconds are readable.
h=6 m=34
